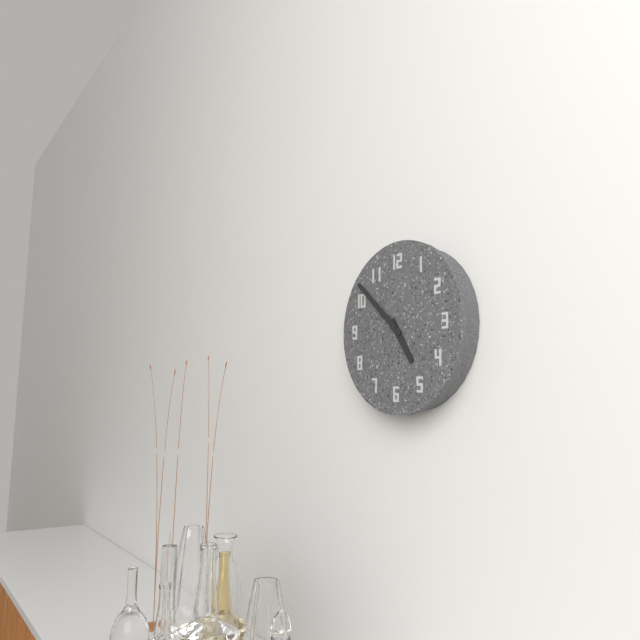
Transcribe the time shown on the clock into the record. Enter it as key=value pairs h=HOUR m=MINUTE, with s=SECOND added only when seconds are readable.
h=4 m=52
